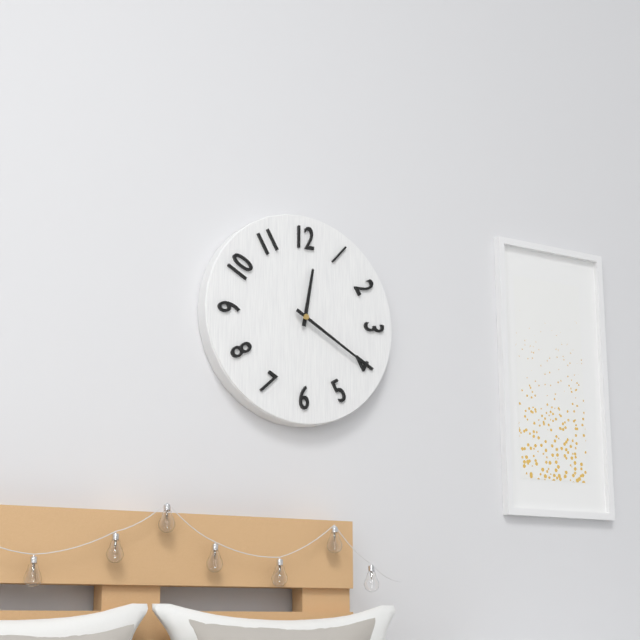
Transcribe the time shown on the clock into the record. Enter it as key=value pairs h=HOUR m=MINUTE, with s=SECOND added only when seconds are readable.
h=12 m=20
